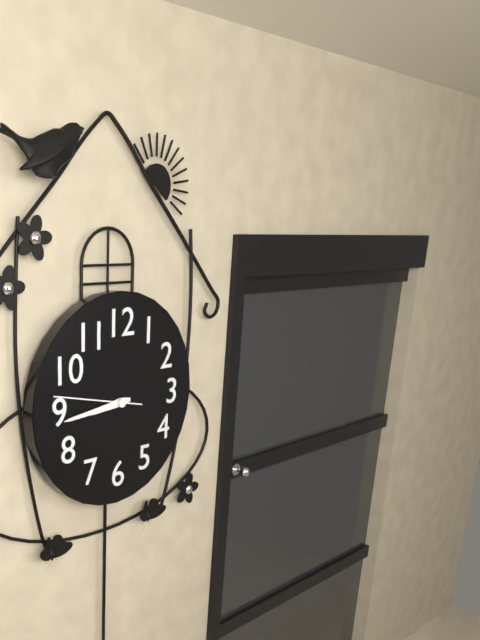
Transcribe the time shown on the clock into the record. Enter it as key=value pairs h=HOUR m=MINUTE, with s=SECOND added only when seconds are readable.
h=8 m=44 s=47
